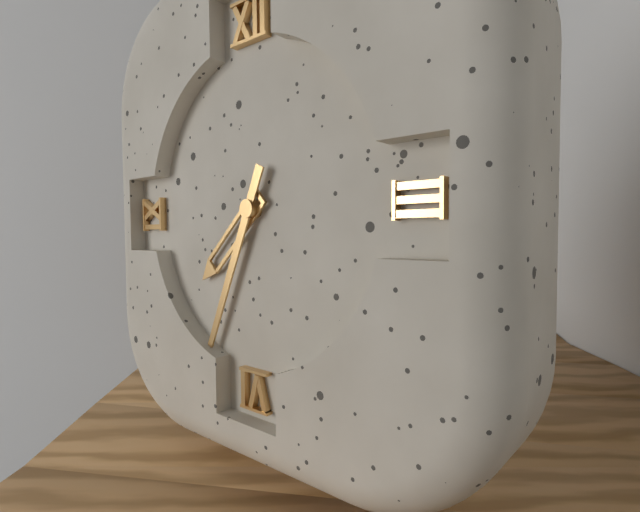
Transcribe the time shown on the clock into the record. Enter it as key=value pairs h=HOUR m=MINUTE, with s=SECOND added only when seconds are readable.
h=7 m=34
